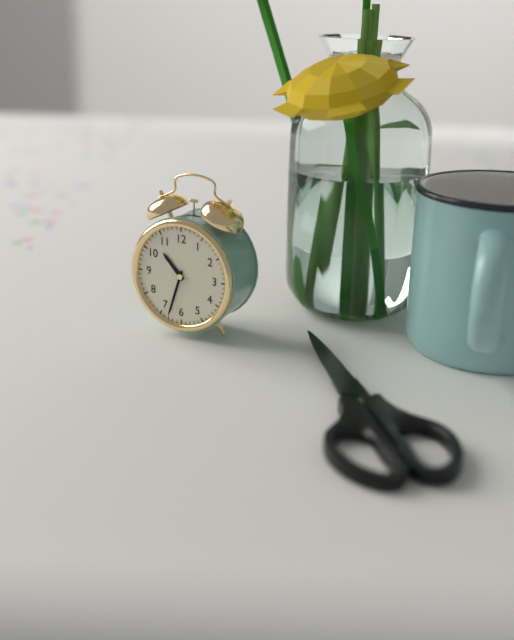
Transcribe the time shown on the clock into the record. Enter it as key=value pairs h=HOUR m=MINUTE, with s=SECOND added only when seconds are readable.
h=10 m=33
